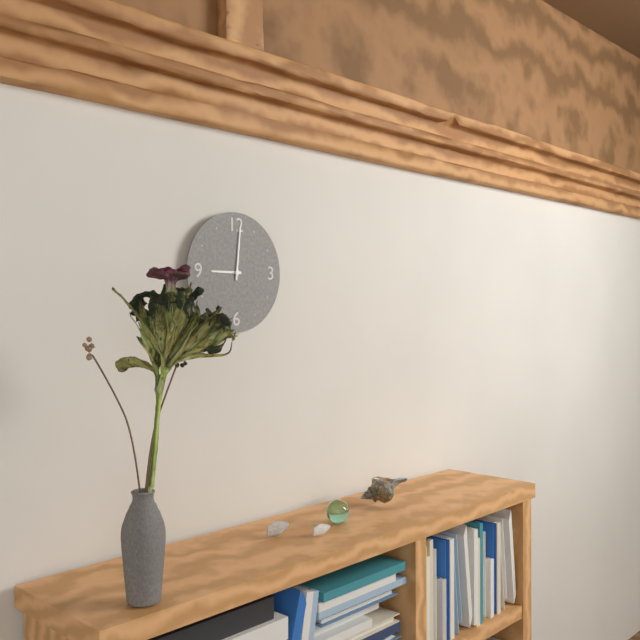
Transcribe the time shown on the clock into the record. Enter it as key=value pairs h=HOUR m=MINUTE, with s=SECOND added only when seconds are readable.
h=9 m=1
